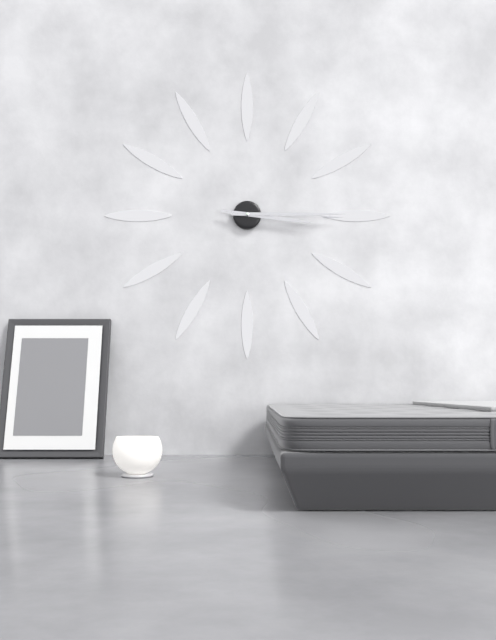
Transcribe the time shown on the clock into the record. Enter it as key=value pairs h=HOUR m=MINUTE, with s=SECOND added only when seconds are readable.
h=3 m=15
